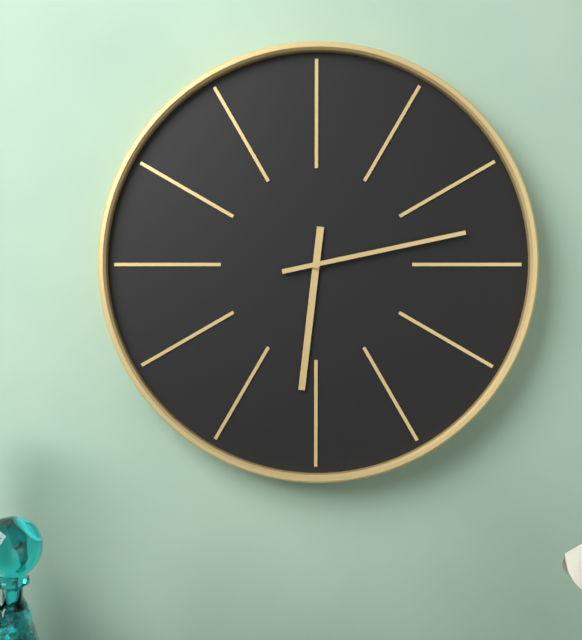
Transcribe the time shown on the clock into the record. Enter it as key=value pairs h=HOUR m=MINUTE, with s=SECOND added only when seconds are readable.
h=6 m=13
